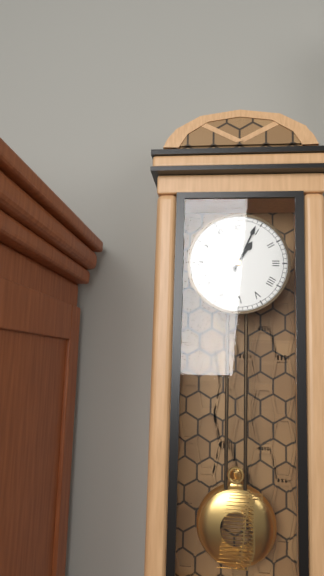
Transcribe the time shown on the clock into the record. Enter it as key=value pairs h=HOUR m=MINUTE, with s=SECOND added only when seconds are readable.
h=1 m=4
